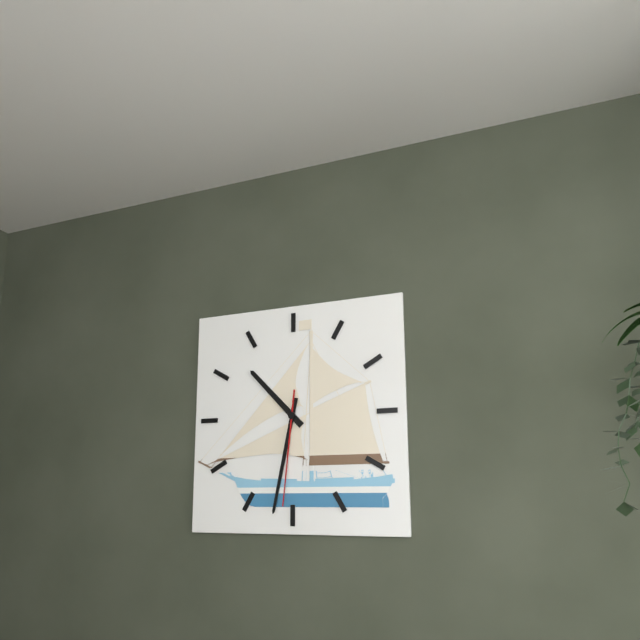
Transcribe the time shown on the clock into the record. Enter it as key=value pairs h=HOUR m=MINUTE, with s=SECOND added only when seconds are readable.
h=10 m=32 s=31
